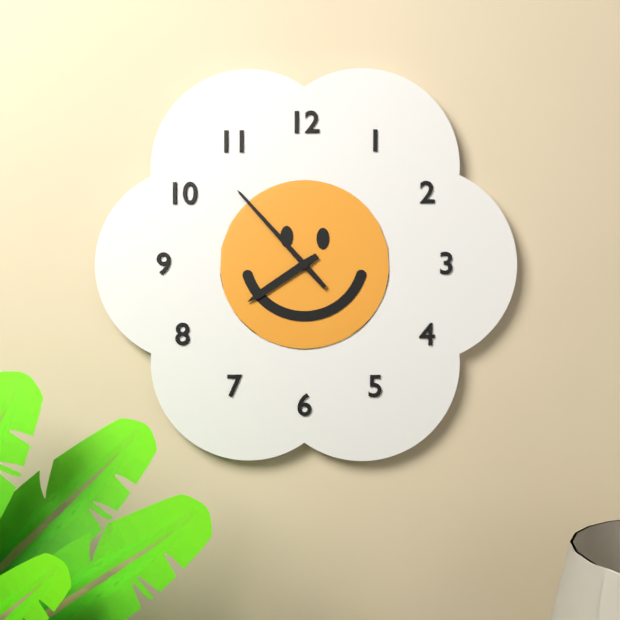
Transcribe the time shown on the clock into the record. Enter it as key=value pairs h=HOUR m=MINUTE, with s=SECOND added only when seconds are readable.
h=7 m=53
